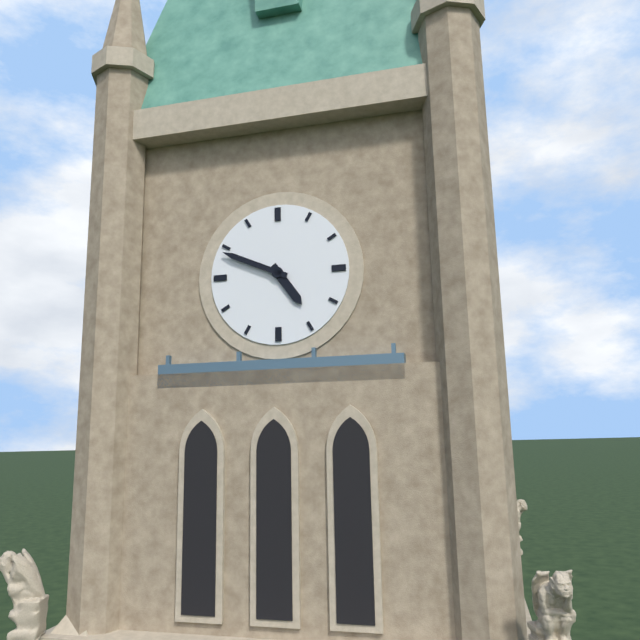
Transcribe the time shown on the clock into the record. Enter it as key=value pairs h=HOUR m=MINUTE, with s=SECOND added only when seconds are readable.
h=4 m=49
